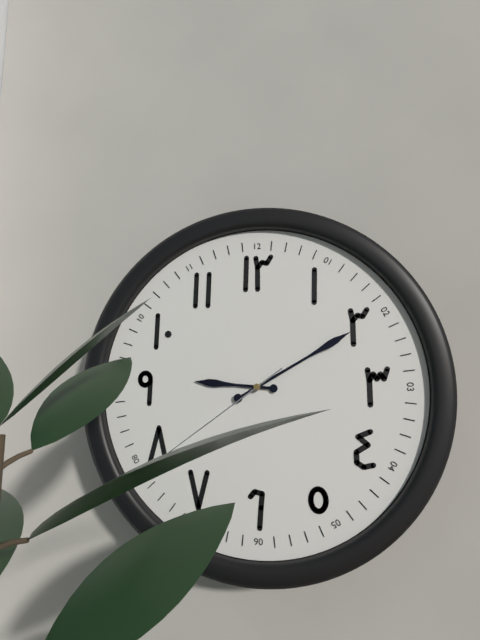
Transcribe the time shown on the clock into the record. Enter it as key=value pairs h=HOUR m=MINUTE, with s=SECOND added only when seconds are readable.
h=9 m=10 s=39
